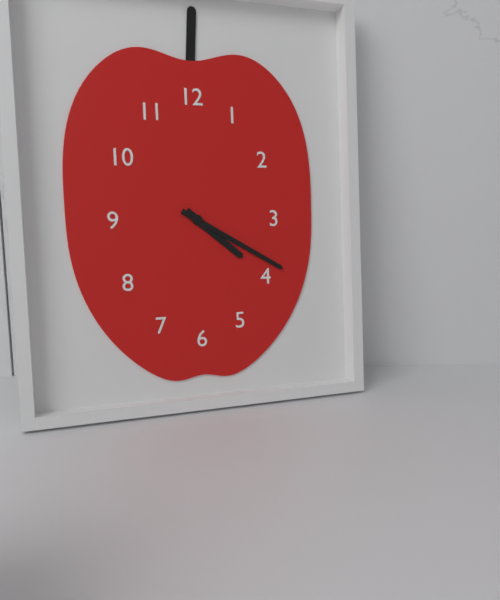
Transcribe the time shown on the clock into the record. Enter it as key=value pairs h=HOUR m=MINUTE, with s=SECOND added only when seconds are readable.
h=4 m=20
